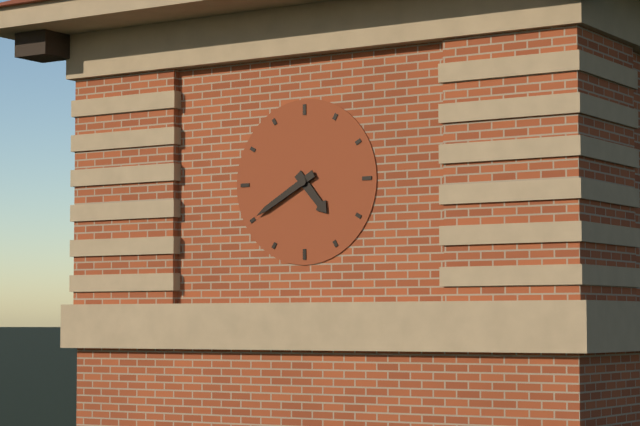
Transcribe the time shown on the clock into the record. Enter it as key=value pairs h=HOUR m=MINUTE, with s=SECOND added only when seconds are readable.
h=4 m=40
